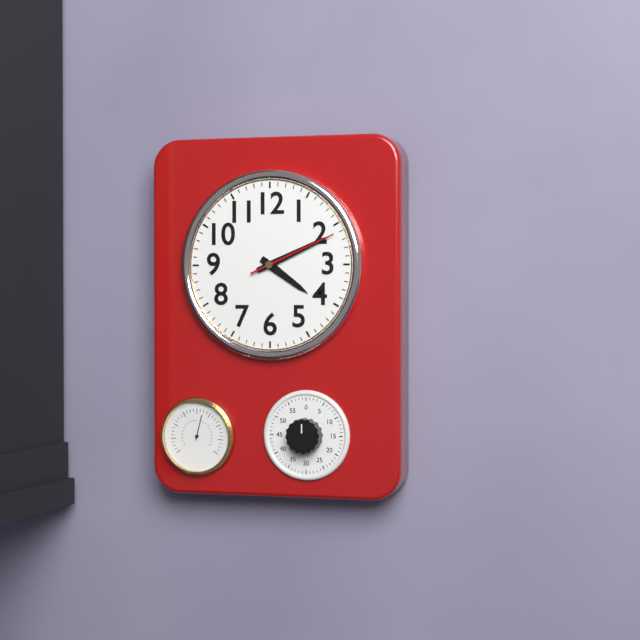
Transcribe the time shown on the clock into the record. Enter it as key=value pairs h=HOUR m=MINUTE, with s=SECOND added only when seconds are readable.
h=4 m=11 s=11
